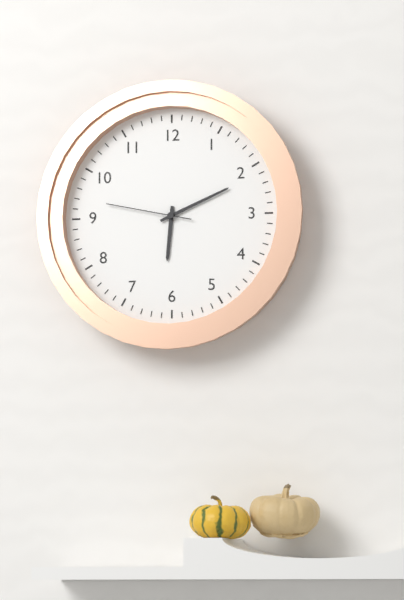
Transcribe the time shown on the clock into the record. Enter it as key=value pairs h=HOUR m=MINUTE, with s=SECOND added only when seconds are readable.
h=6 m=11 s=47
